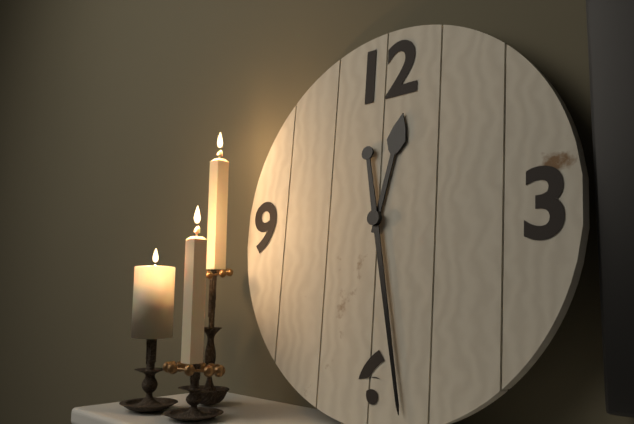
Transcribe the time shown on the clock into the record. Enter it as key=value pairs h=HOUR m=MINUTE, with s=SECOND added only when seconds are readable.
h=12 m=28
